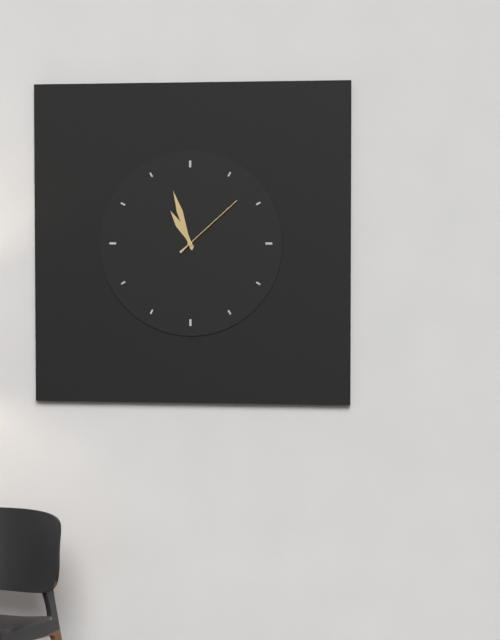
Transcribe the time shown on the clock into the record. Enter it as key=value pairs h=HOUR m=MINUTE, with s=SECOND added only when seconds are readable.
h=10 m=57 s=8
